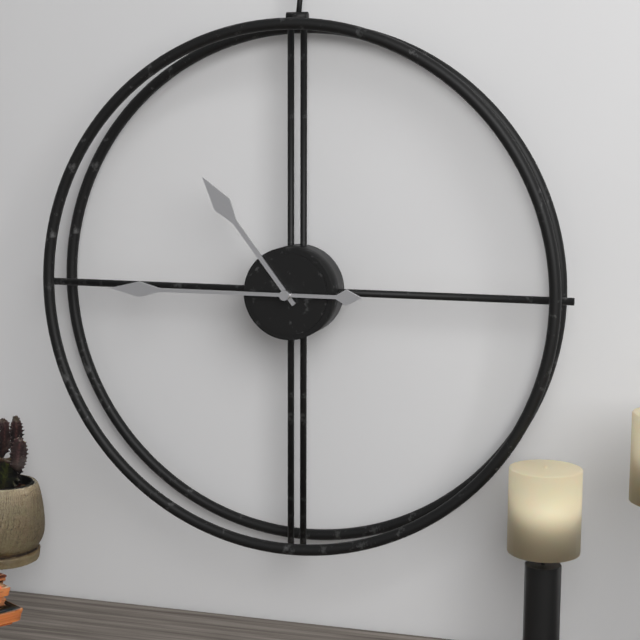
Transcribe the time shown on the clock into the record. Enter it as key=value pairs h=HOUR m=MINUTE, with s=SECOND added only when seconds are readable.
h=10 m=45
